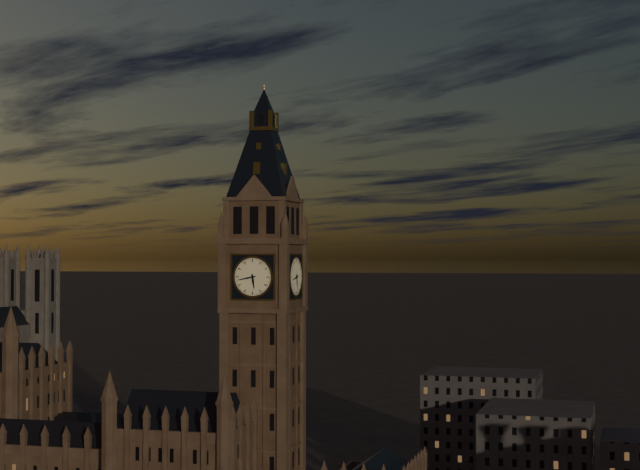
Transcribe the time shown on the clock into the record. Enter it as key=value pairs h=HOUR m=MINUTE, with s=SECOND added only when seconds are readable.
h=5 m=43
